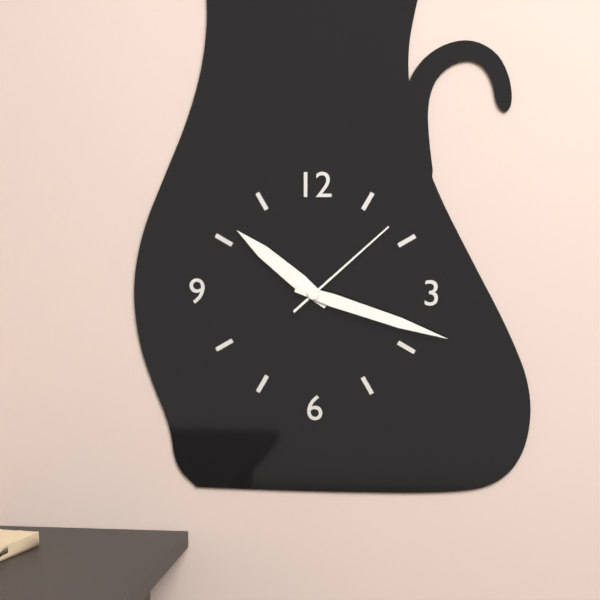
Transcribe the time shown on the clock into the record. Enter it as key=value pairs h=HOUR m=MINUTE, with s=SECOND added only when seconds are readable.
h=10 m=18 s=8
